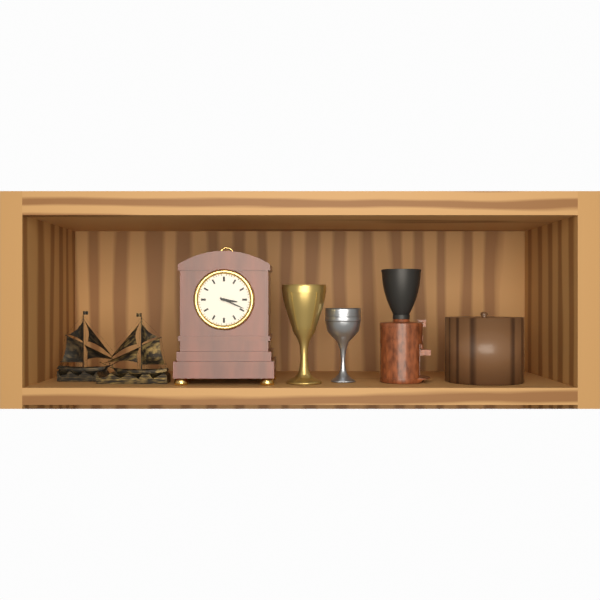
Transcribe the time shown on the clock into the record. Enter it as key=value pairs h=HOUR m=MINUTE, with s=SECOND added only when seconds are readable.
h=3 m=19
